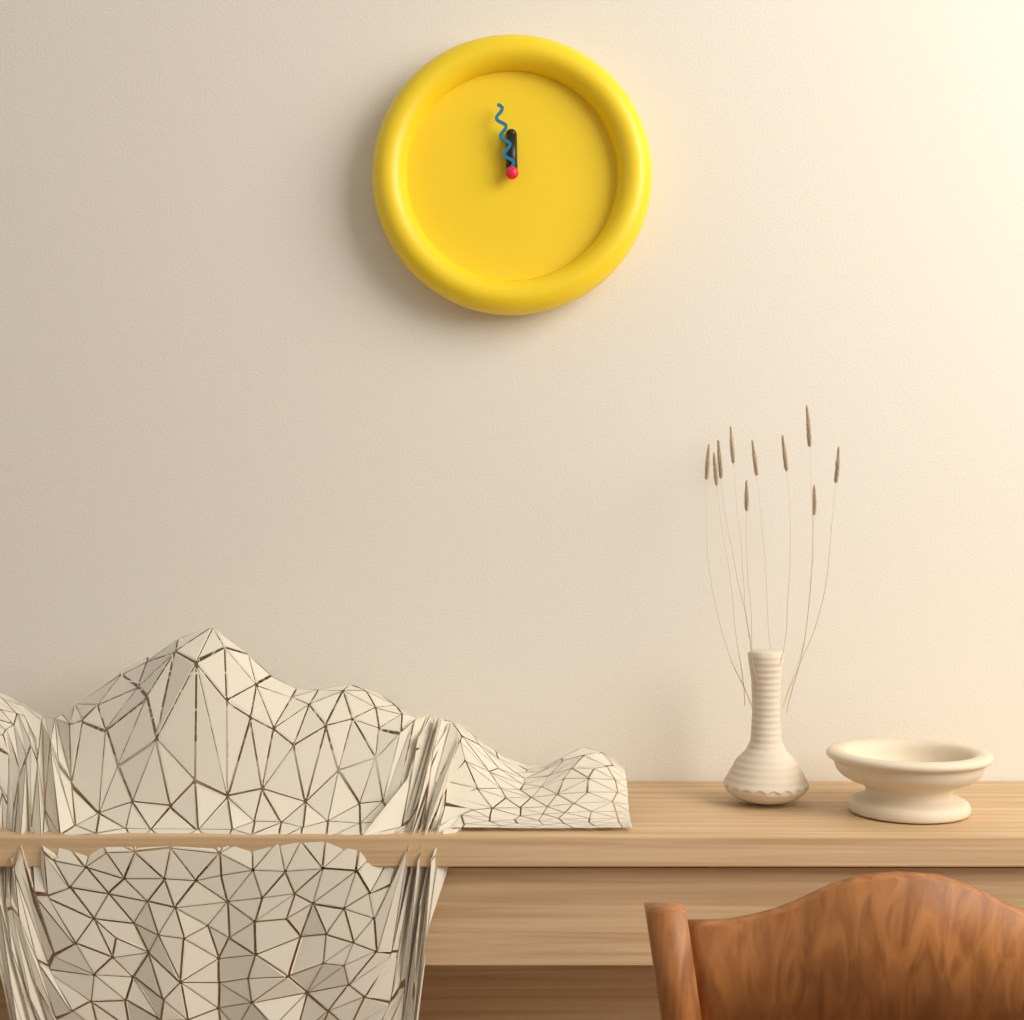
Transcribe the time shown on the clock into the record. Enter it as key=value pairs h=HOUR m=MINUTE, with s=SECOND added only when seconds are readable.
h=11 m=58
